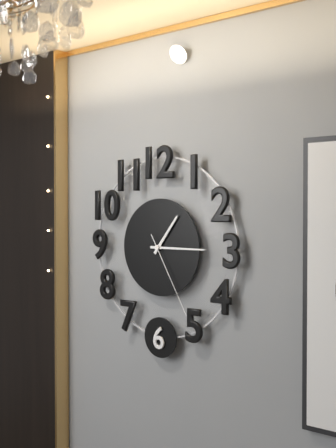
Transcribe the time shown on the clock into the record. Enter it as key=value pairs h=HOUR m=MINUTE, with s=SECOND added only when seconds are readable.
h=1 m=15 s=25
